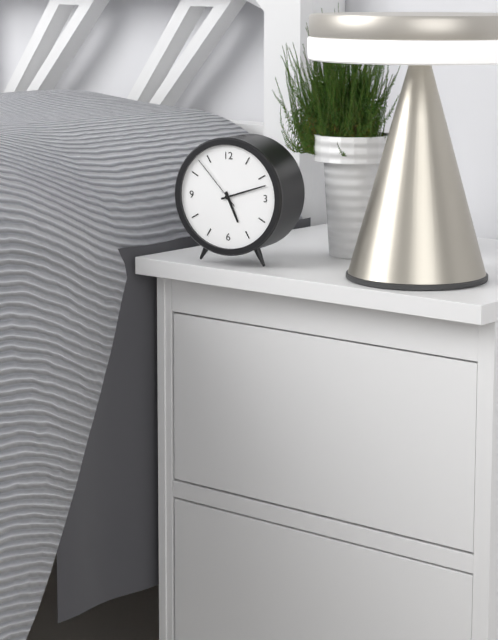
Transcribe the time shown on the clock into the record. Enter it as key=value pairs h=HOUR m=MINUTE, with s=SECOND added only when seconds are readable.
h=5 m=12 s=53
